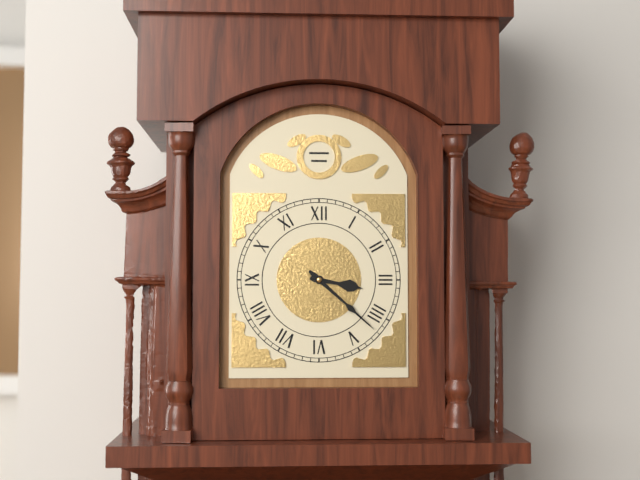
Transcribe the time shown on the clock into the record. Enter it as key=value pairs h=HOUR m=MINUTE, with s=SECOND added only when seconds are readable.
h=3 m=22
